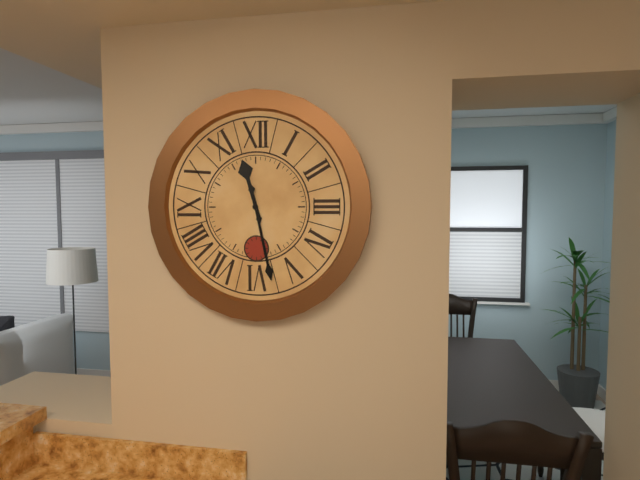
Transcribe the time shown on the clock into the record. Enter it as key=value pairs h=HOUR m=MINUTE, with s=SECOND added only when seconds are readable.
h=11 m=28
